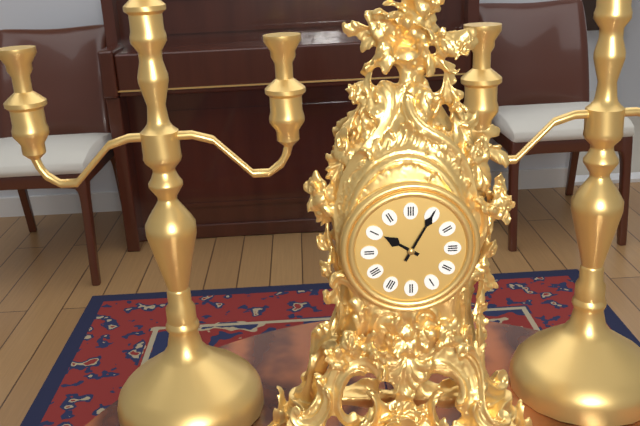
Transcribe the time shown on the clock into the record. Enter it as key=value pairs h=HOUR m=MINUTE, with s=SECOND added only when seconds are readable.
h=10 m=5
